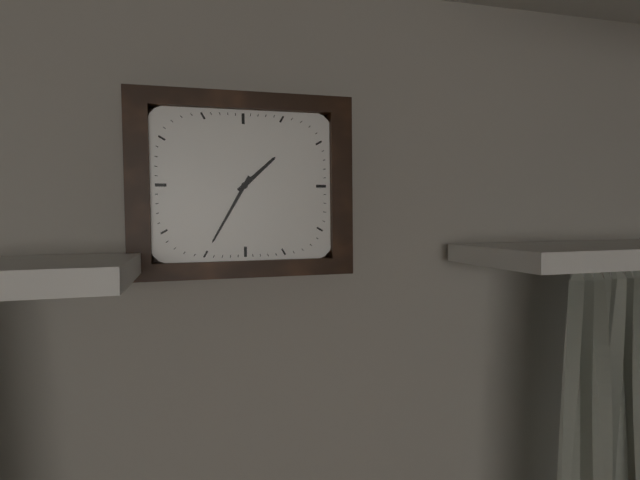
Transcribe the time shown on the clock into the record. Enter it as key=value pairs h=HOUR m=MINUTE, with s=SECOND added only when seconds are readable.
h=1 m=35
